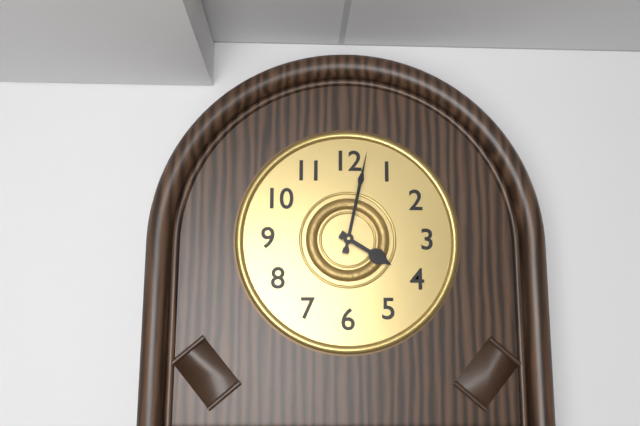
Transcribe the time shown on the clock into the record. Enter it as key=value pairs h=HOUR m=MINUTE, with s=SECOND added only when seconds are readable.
h=4 m=2
